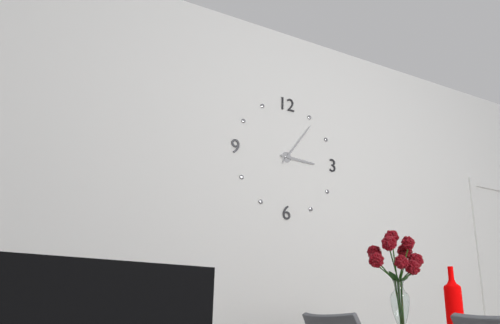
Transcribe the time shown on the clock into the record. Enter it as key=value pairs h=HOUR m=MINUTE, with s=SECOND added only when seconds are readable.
h=3 m=6
